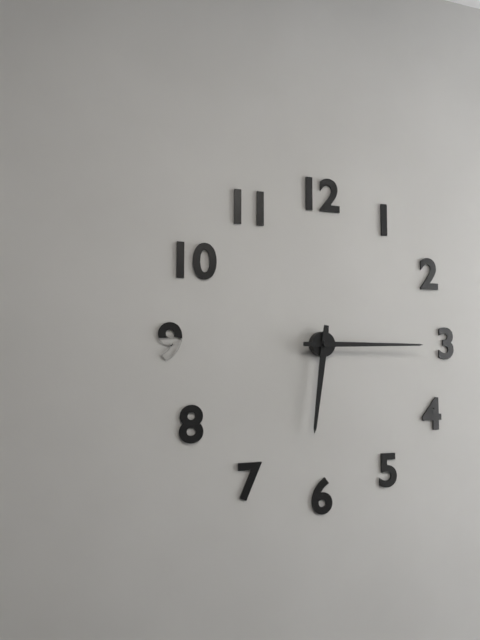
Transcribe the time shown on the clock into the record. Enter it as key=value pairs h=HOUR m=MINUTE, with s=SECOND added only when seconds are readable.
h=6 m=15
